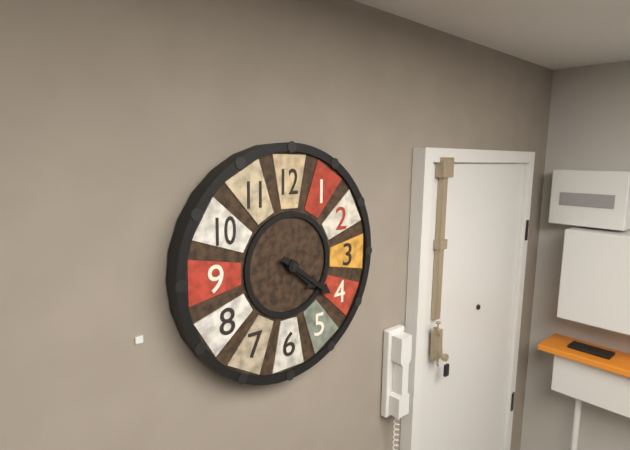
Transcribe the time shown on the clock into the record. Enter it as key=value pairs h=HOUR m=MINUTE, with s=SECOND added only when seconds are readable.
h=4 m=21
